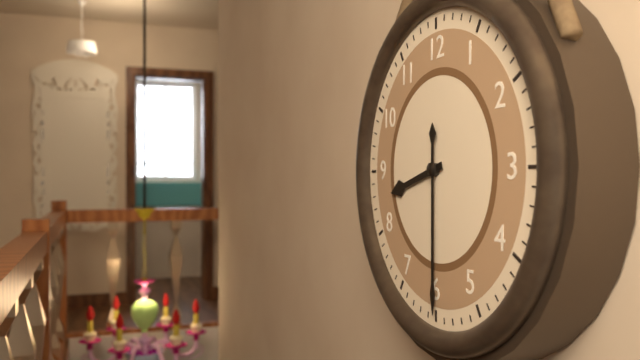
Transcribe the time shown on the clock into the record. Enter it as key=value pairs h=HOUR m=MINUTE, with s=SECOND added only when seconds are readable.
h=8 m=30
